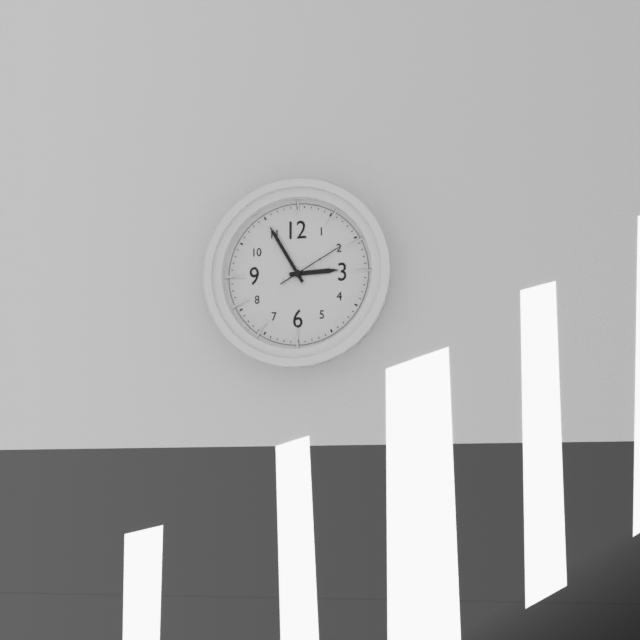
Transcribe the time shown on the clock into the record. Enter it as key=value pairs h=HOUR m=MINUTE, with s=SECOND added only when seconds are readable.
h=2 m=55 s=10
